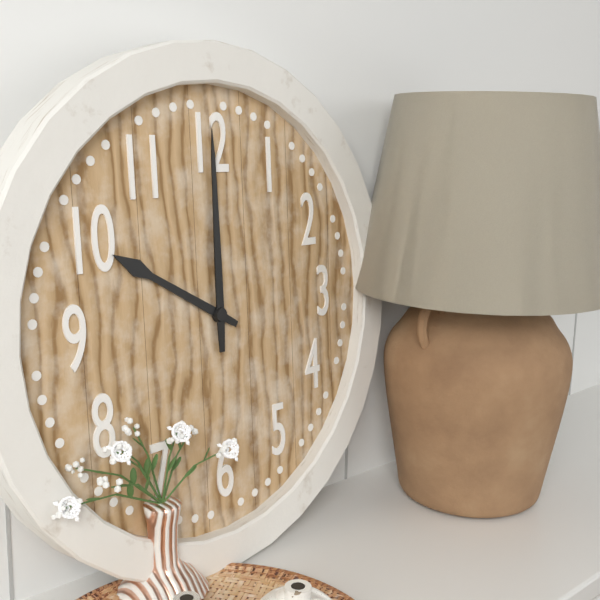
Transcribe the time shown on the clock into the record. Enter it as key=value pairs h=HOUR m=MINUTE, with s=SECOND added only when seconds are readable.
h=10 m=0
